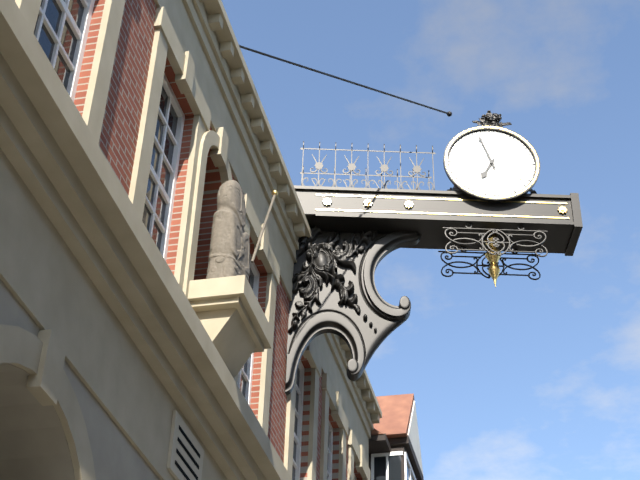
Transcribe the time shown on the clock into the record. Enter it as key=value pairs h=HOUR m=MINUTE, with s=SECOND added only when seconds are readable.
h=6 m=57
